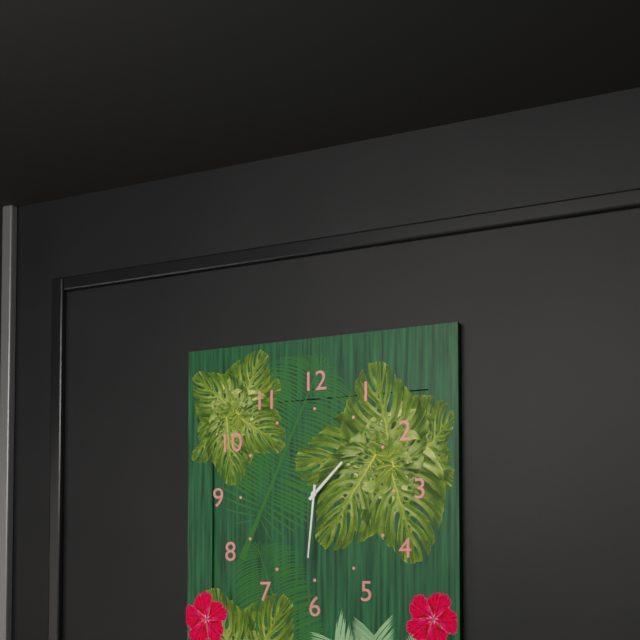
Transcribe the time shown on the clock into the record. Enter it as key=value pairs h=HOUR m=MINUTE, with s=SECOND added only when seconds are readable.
h=1 m=31
